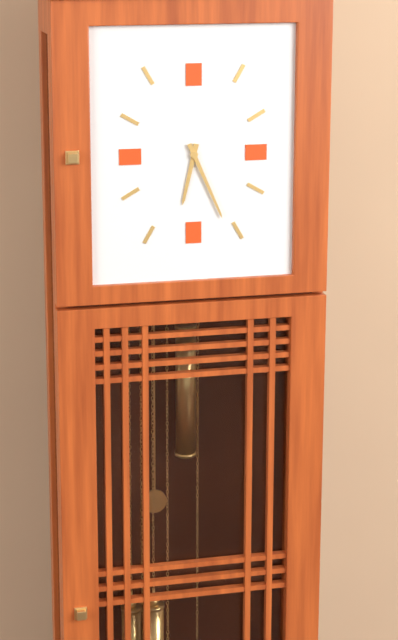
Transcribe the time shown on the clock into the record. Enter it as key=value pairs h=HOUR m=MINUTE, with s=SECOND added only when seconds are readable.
h=6 m=26
